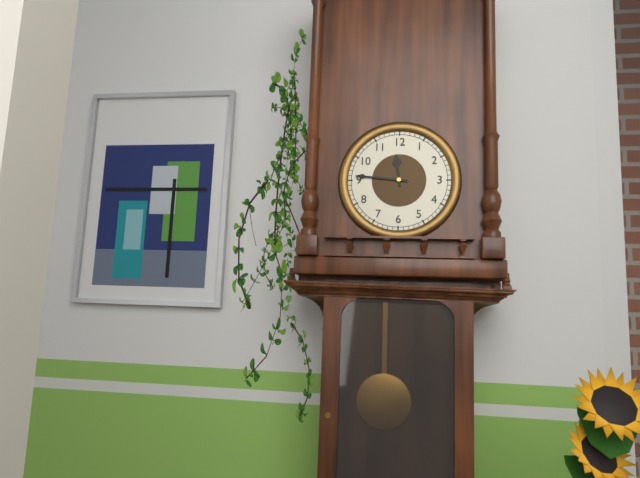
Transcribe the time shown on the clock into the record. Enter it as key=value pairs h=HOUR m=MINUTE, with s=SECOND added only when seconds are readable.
h=11 m=46
